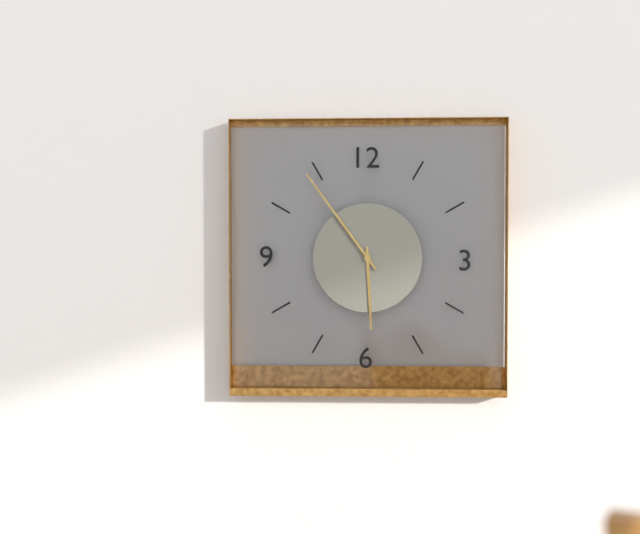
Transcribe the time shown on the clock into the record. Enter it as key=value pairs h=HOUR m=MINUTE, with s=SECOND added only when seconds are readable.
h=5 m=54
